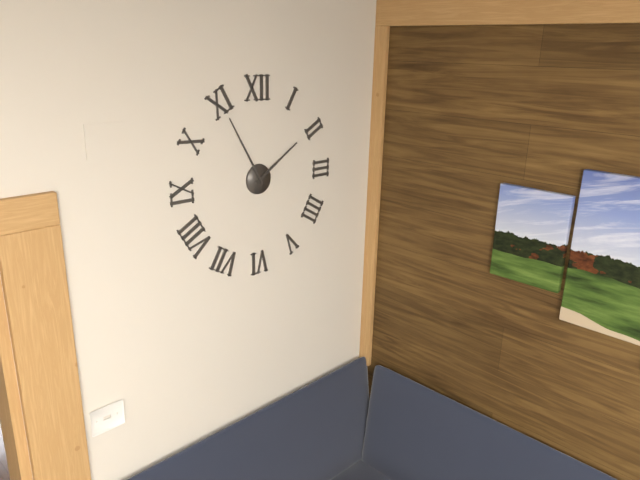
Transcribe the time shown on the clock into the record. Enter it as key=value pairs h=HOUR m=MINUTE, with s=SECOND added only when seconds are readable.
h=1 m=55
